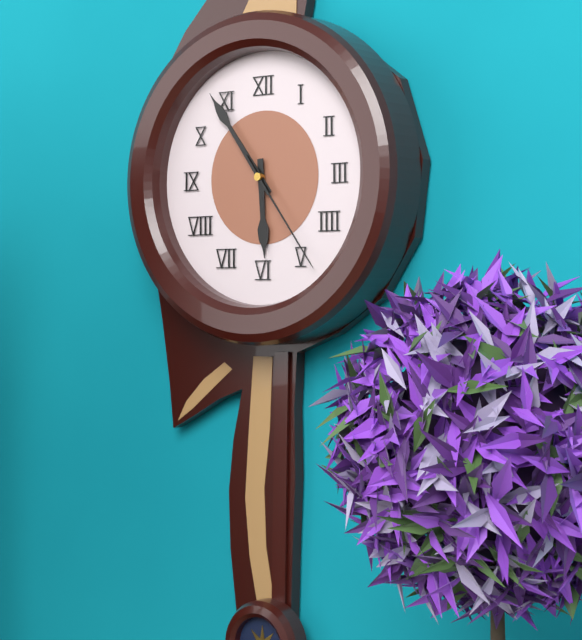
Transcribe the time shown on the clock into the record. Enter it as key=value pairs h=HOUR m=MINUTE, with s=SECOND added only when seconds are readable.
h=5 m=54 s=24
